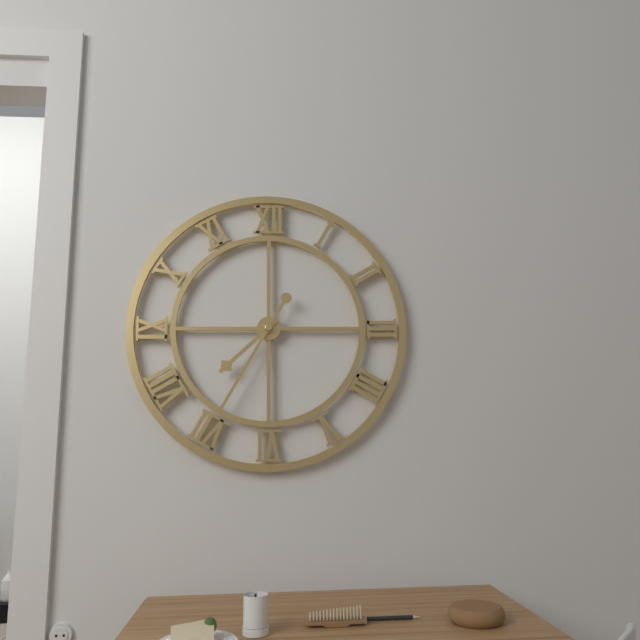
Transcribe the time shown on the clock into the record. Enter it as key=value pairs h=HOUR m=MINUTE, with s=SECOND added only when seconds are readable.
h=7 m=35
